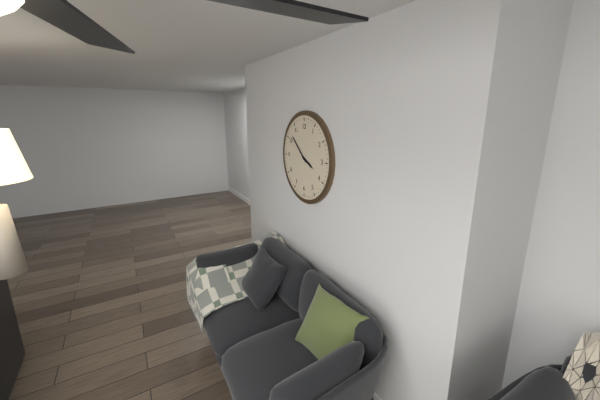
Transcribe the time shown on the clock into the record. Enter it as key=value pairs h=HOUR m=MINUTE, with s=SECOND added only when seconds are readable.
h=3 m=52
